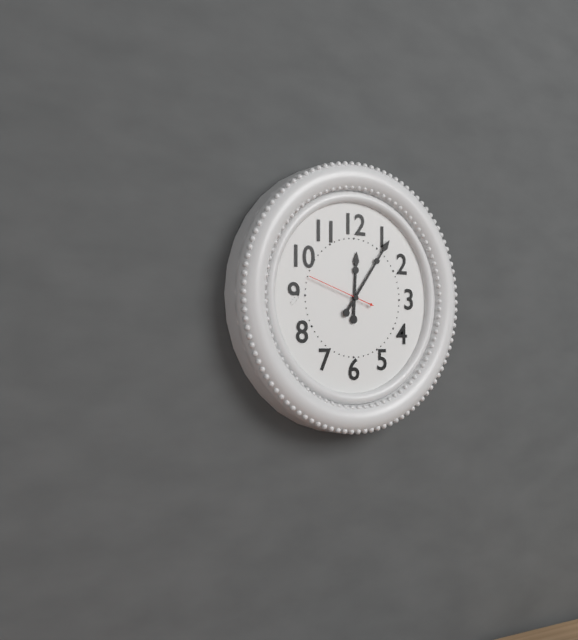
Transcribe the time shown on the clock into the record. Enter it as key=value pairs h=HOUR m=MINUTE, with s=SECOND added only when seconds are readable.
h=12 m=6
